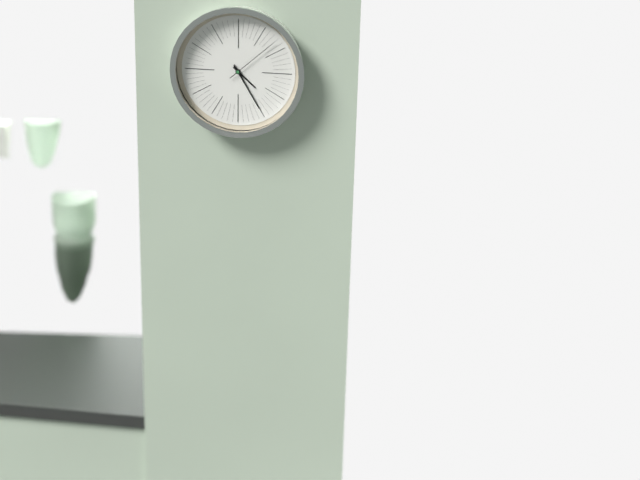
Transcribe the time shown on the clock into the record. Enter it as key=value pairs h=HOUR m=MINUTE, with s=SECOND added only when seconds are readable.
h=4 m=25 s=8
